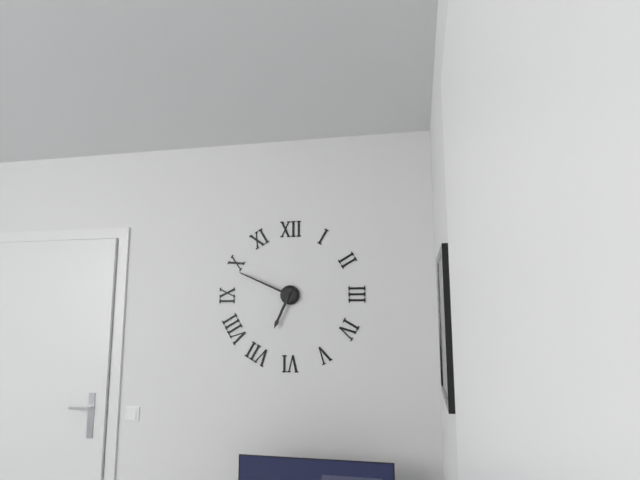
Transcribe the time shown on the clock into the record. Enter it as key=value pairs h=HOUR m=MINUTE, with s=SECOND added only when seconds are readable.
h=6 m=49
